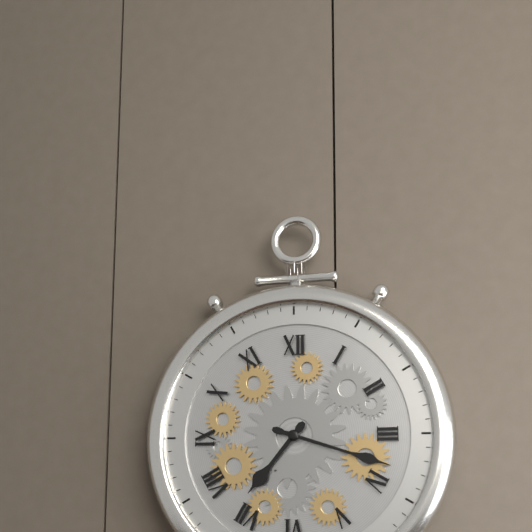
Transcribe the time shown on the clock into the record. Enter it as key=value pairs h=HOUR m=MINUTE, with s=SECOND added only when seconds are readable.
h=7 m=18
